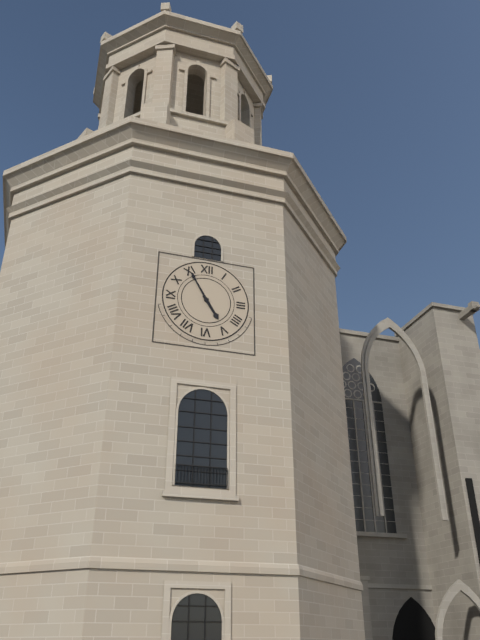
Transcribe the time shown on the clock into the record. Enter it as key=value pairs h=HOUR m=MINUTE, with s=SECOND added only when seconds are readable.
h=4 m=55
